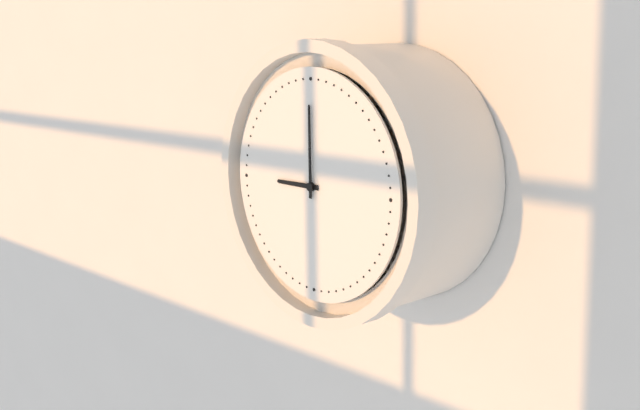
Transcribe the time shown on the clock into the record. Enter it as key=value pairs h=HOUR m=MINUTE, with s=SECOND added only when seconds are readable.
h=9 m=0
